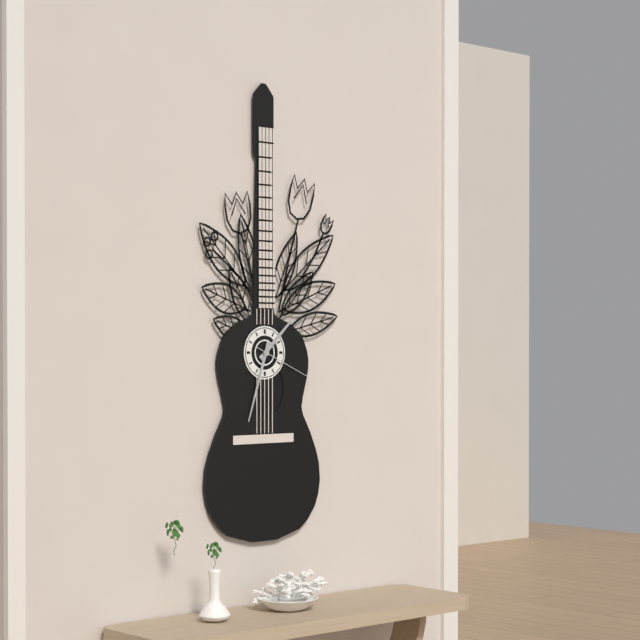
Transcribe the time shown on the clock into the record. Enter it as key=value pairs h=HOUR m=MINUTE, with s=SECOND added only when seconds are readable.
h=1 m=33 s=19
